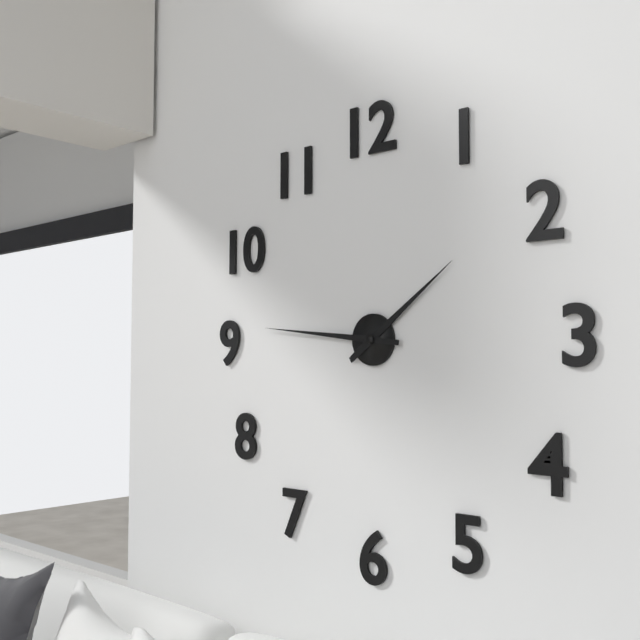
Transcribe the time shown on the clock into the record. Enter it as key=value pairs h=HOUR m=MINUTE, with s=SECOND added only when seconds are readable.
h=1 m=46
